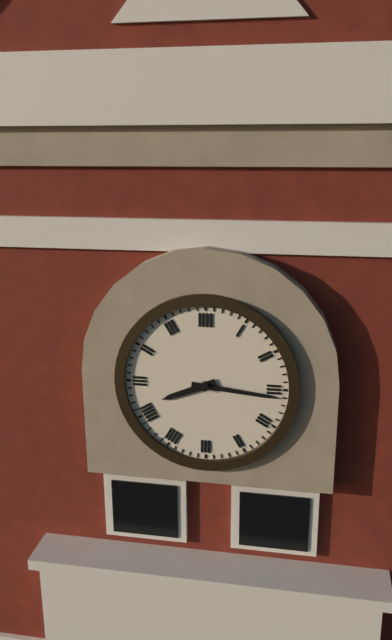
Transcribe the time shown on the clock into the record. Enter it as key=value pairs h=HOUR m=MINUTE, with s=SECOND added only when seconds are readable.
h=8 m=16
